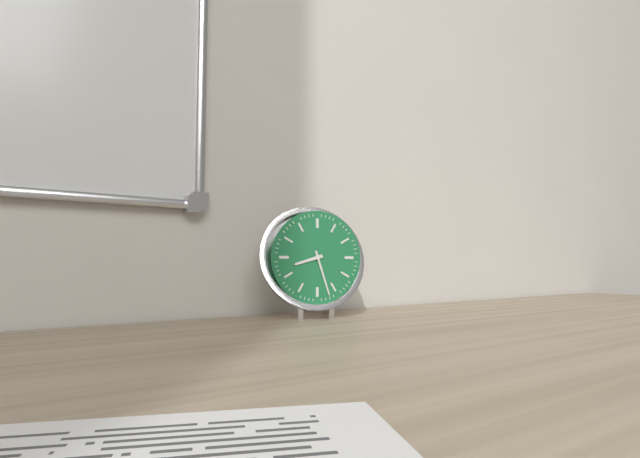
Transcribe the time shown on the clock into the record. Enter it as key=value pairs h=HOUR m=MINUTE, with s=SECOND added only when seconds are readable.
h=8 m=27
